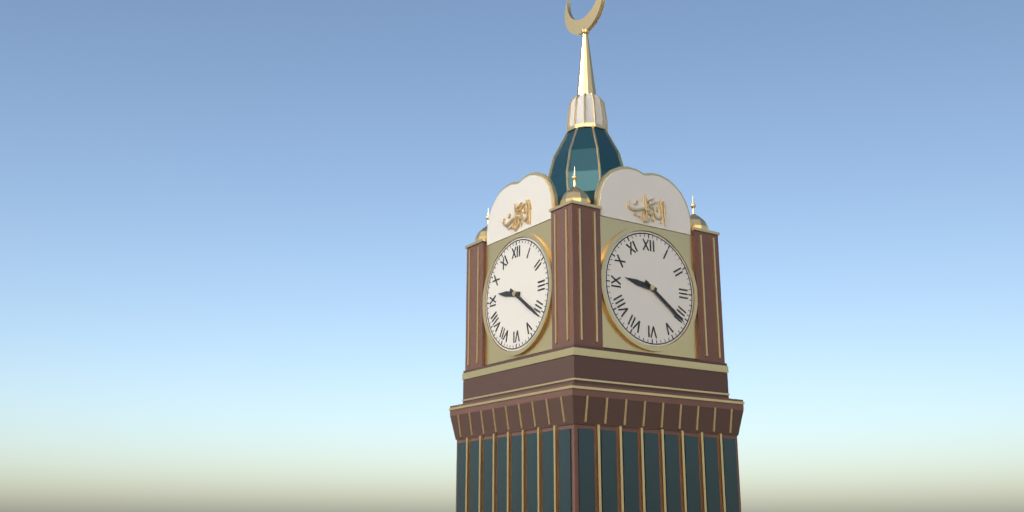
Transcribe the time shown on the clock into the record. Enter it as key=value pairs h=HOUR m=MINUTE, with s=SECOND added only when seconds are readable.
h=9 m=21
